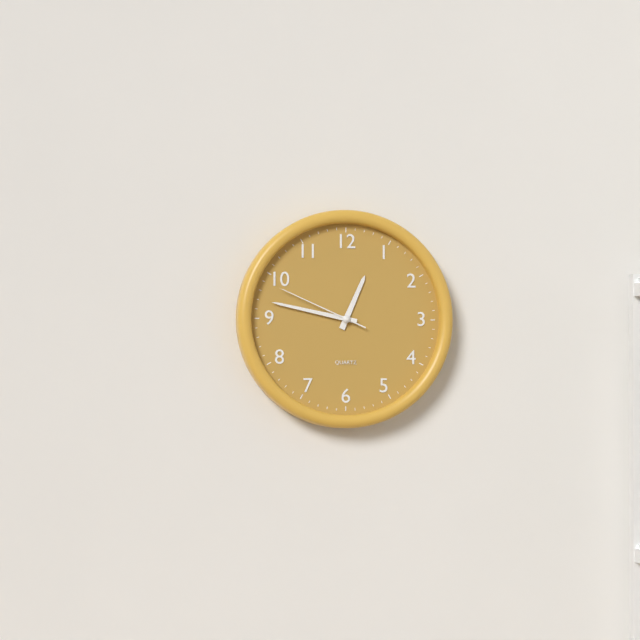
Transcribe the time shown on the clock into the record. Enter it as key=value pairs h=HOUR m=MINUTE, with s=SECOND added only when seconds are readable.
h=12 m=47 s=49
